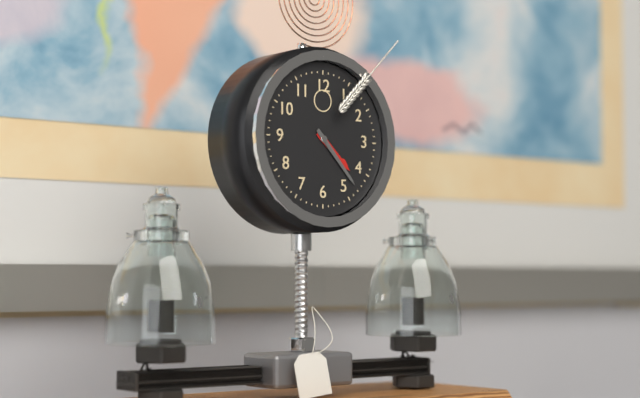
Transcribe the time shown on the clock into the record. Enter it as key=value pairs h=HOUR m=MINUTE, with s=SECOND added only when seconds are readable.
h=4 m=23
